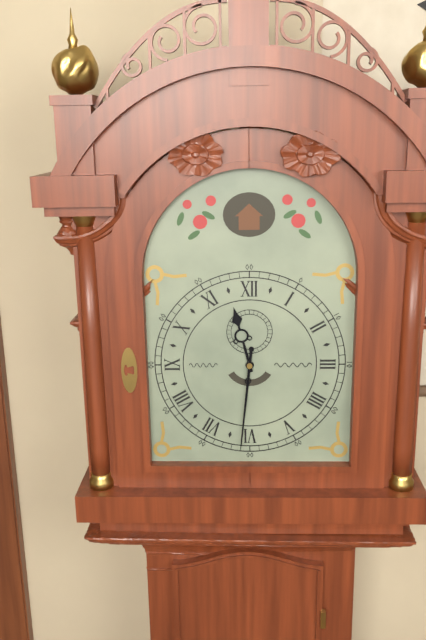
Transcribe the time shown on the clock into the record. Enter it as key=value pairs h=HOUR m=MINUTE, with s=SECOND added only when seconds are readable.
h=11 m=31
